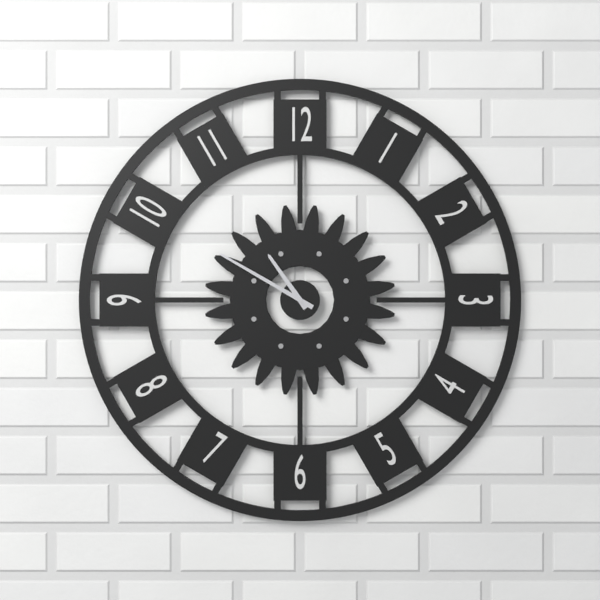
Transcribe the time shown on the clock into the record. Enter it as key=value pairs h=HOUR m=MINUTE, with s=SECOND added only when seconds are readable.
h=10 m=50
